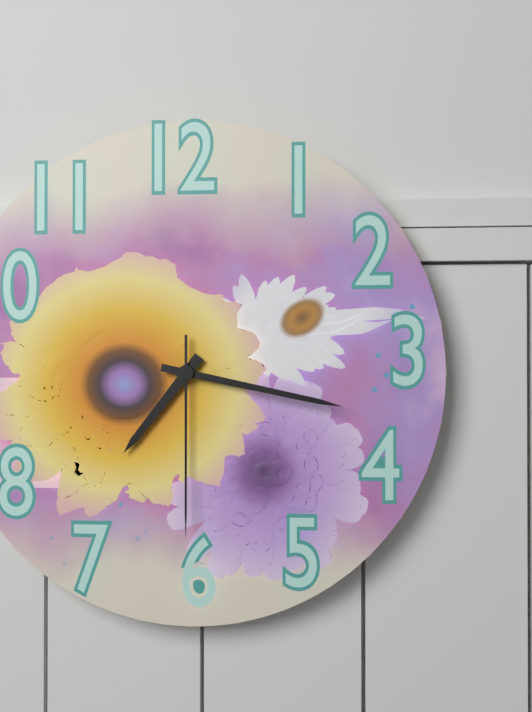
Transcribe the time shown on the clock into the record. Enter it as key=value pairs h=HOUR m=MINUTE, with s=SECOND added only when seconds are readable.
h=7 m=17 s=30
